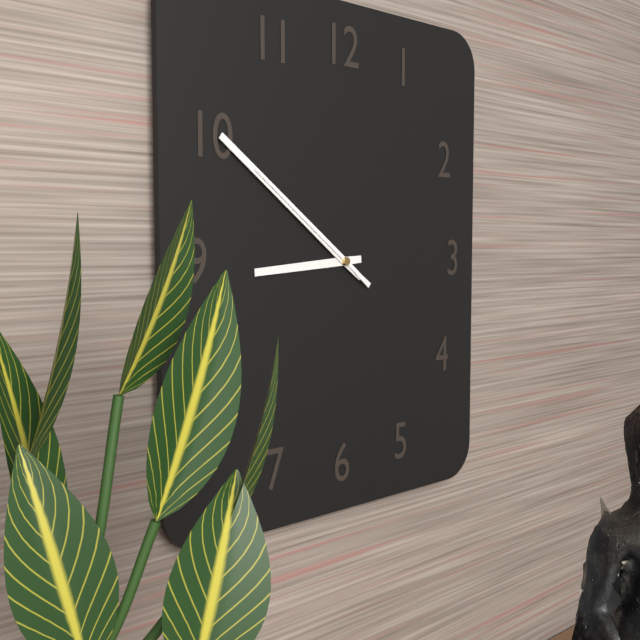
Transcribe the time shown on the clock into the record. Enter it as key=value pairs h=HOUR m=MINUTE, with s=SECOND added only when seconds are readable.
h=8 m=51 s=51
